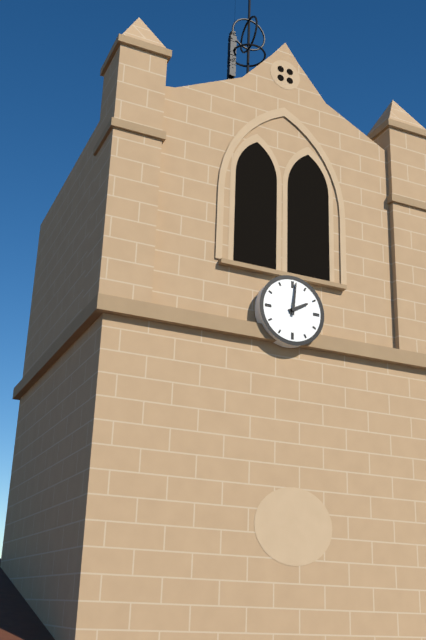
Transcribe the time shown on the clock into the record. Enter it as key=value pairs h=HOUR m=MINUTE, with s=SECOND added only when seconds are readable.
h=2 m=1
